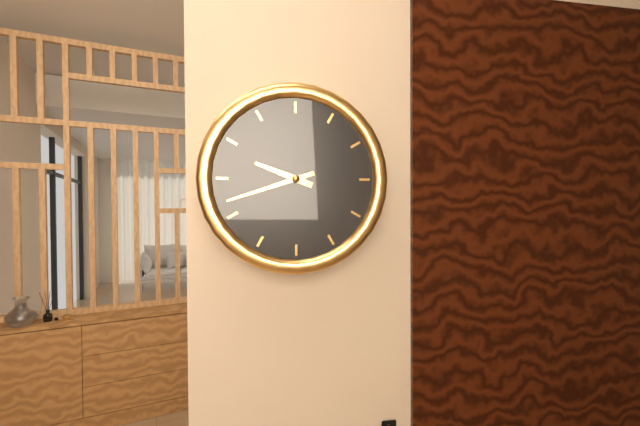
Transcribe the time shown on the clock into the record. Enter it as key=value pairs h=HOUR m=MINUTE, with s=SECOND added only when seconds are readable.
h=9 m=42
